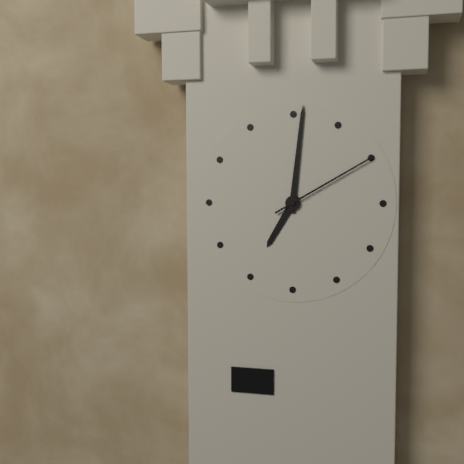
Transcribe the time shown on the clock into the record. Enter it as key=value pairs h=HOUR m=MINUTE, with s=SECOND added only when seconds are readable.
h=7 m=1 s=10
